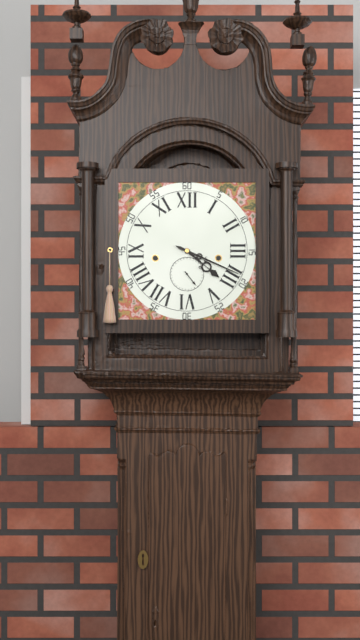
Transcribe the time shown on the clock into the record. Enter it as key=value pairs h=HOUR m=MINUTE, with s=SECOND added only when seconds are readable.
h=4 m=19
